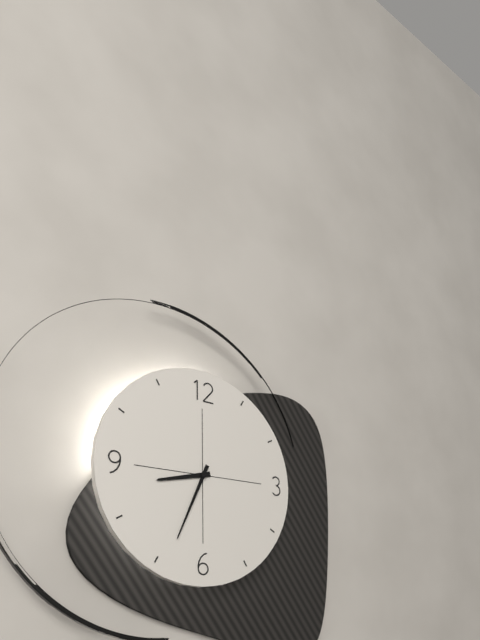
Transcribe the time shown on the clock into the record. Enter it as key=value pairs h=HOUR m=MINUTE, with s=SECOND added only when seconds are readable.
h=8 m=34
